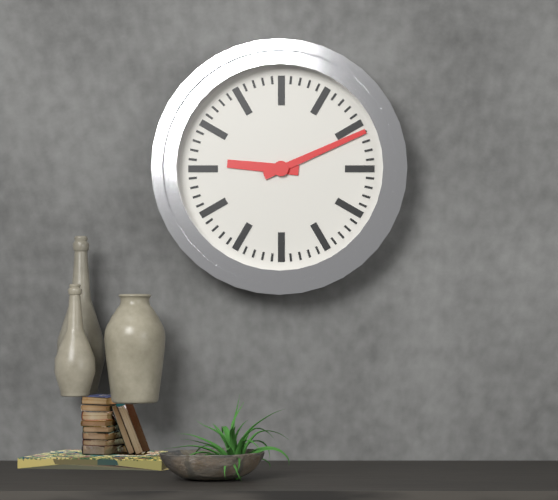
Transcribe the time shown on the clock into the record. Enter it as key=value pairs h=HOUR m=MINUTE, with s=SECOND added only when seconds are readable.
h=9 m=11
